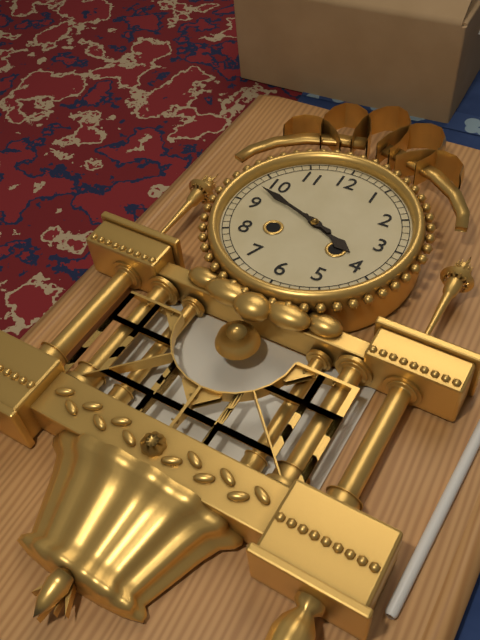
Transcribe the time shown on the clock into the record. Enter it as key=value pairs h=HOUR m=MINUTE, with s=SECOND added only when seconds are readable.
h=3 m=48
